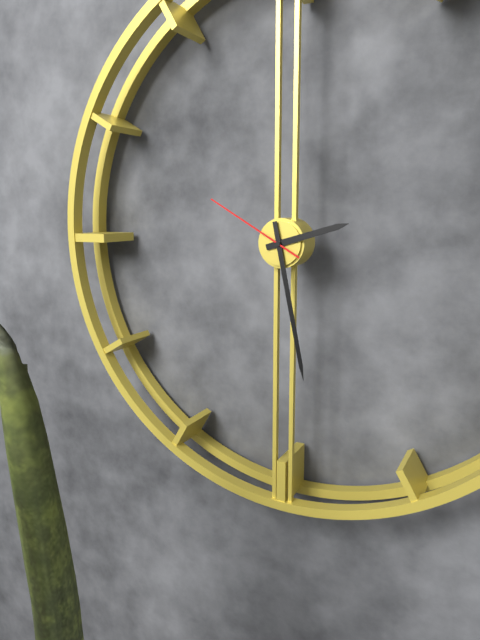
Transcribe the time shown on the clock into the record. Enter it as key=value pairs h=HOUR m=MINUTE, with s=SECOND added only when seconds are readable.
h=2 m=28 s=50
